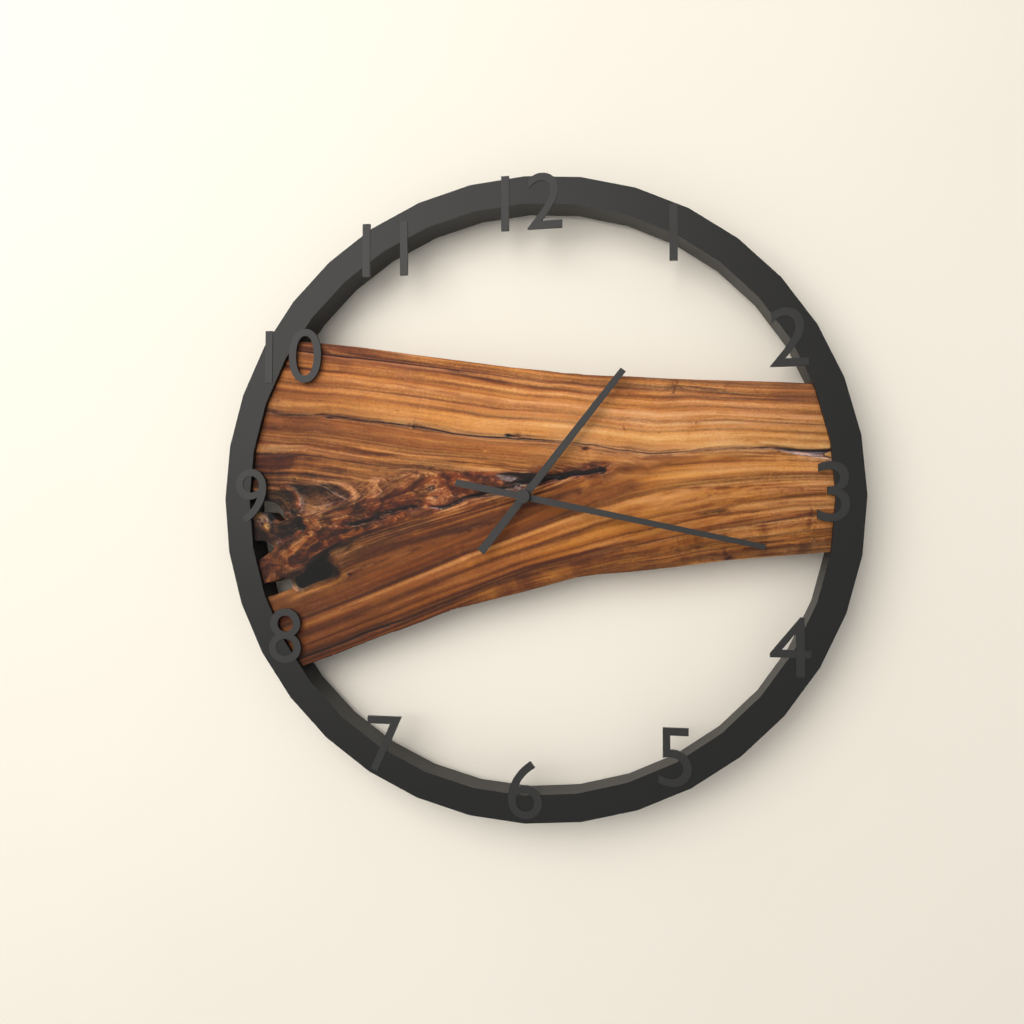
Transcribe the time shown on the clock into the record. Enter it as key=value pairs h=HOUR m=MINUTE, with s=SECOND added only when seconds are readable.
h=1 m=17
